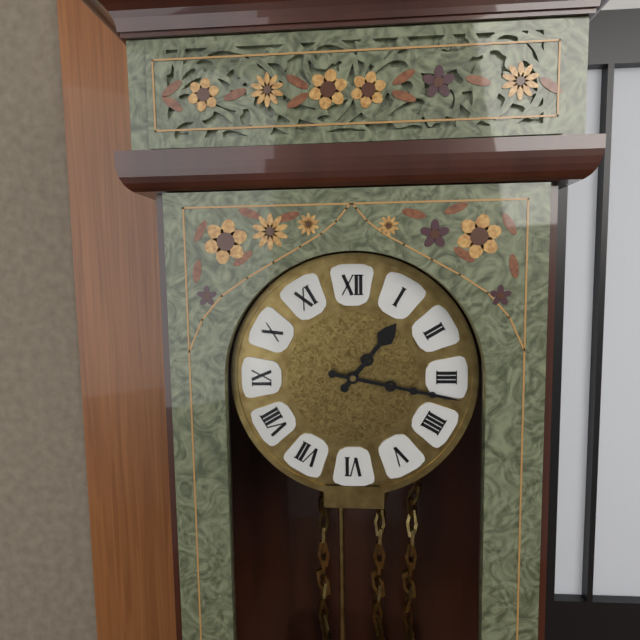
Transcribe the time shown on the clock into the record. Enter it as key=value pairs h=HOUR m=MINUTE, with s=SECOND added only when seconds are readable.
h=1 m=17
